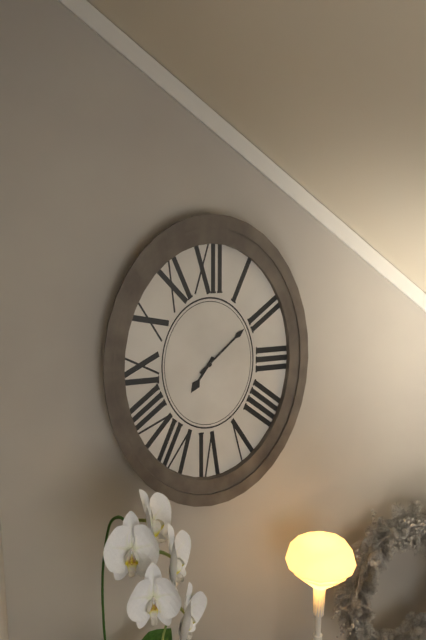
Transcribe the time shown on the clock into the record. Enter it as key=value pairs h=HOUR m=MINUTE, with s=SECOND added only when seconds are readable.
h=7 m=8
